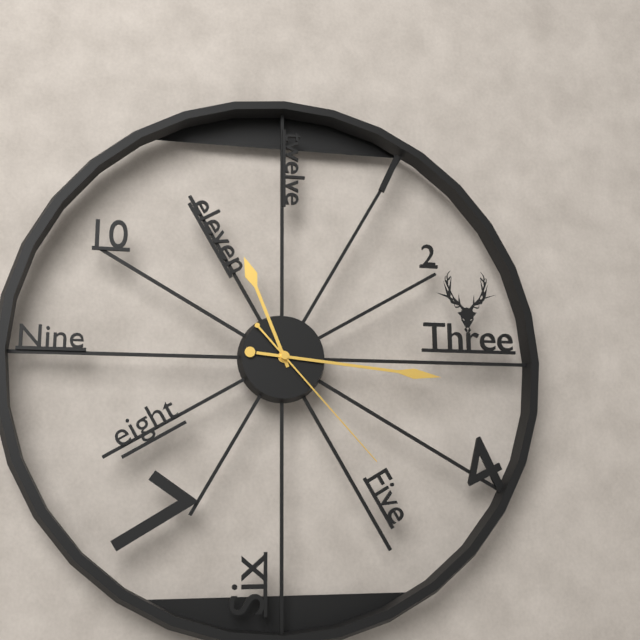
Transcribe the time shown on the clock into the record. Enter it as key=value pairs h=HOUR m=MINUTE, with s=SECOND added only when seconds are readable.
h=11 m=16 s=23
